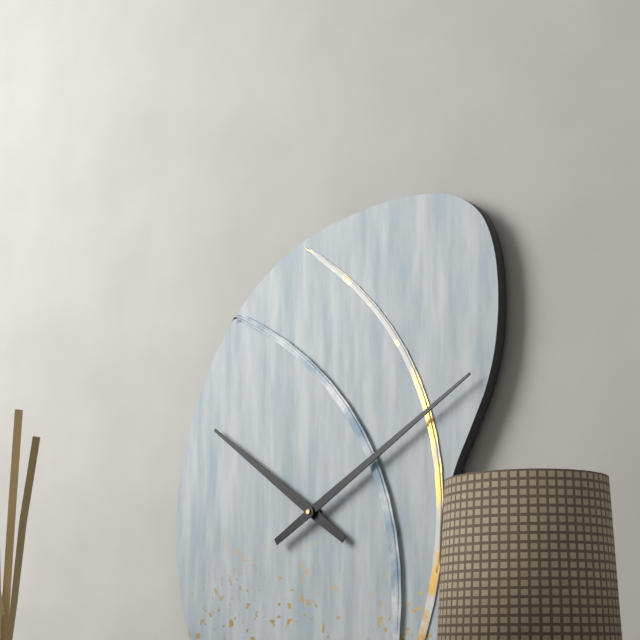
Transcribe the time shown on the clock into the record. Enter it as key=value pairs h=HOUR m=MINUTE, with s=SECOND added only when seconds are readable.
h=10 m=10
